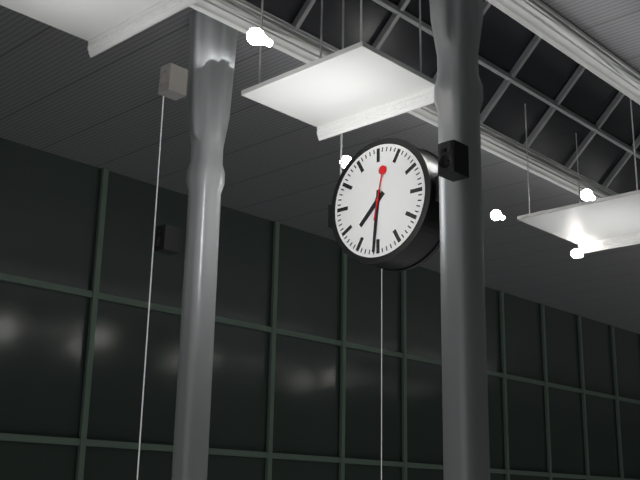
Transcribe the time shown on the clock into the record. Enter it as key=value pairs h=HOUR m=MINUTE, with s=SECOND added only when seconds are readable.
h=7 m=31
